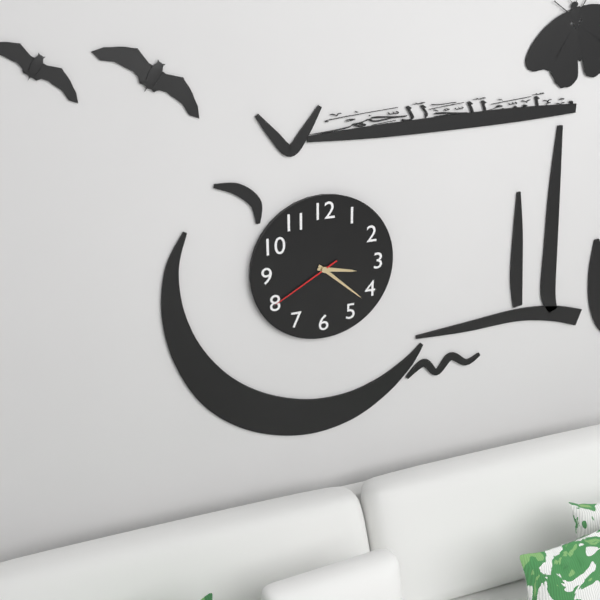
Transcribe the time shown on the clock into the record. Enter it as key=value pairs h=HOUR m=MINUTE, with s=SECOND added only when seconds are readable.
h=3 m=22 s=40
